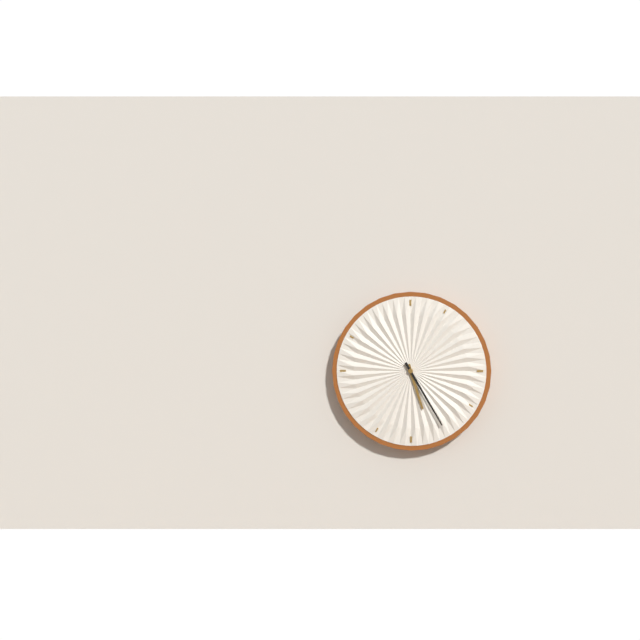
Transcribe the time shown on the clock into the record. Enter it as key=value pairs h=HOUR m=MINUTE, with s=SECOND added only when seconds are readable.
h=5 m=25
